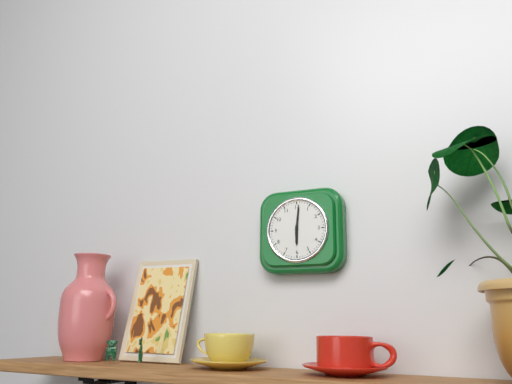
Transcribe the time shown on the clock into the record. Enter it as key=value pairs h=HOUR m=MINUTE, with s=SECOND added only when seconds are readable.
h=6 m=1
